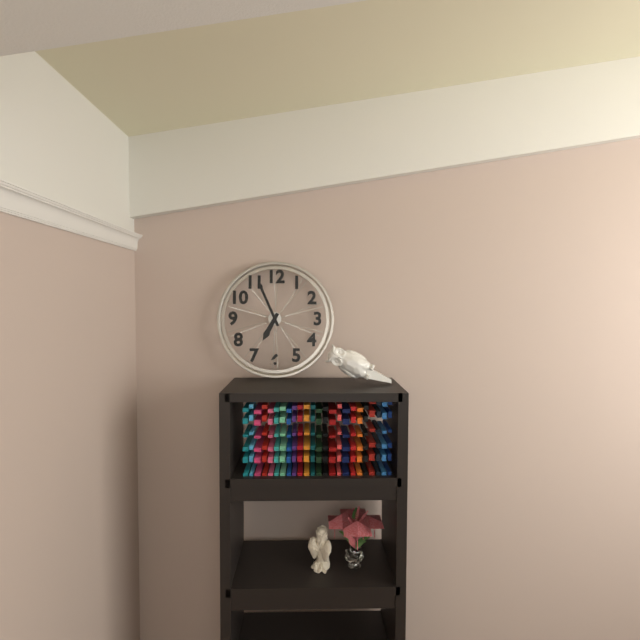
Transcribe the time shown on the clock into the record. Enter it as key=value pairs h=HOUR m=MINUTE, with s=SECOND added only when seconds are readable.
h=6 m=56
